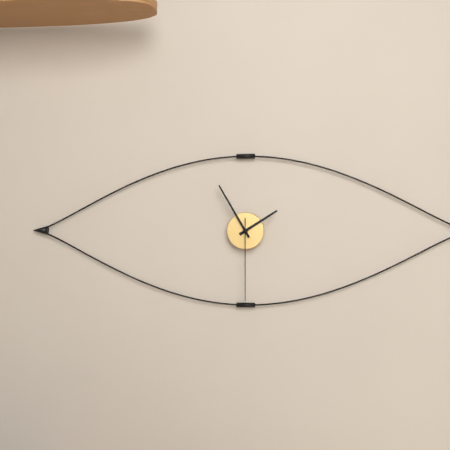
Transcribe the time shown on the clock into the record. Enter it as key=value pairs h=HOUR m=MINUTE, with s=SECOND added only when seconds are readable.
h=1 m=55 s=30
